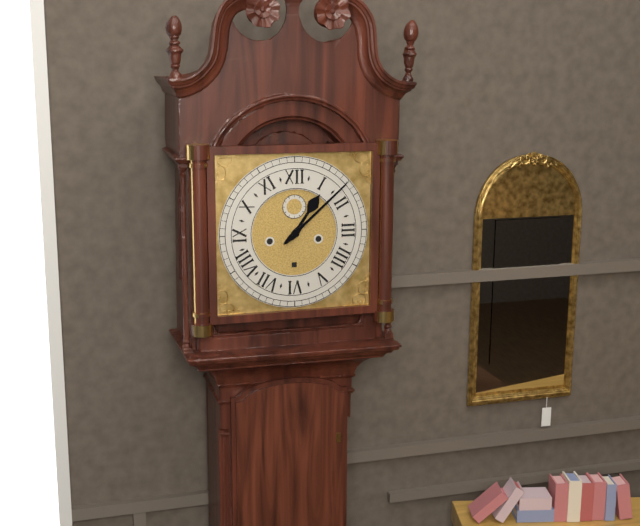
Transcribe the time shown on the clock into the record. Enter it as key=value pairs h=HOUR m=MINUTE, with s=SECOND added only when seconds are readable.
h=1 m=8
